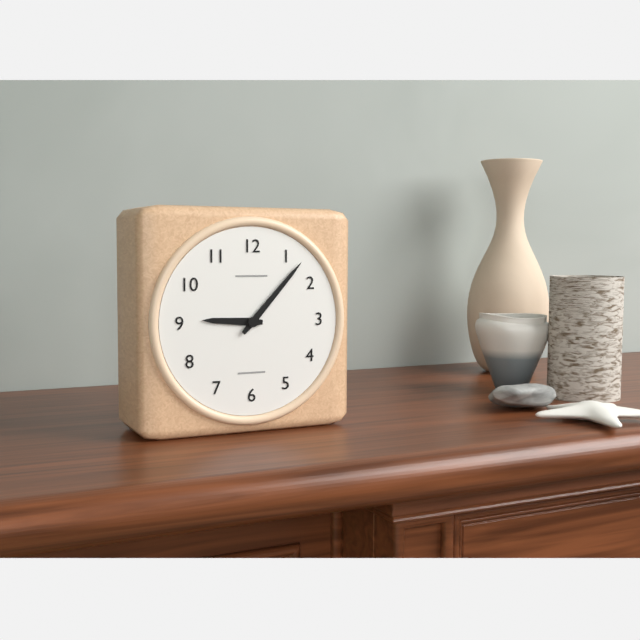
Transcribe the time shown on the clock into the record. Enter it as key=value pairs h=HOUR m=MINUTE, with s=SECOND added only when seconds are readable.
h=9 m=7
